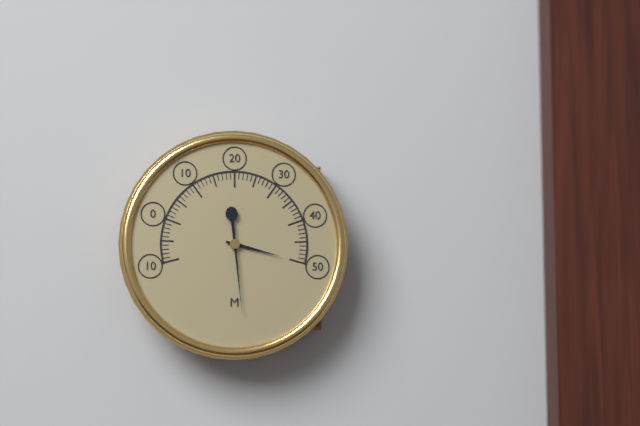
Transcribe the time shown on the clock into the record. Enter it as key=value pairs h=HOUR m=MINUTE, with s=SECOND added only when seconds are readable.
h=3 m=29
